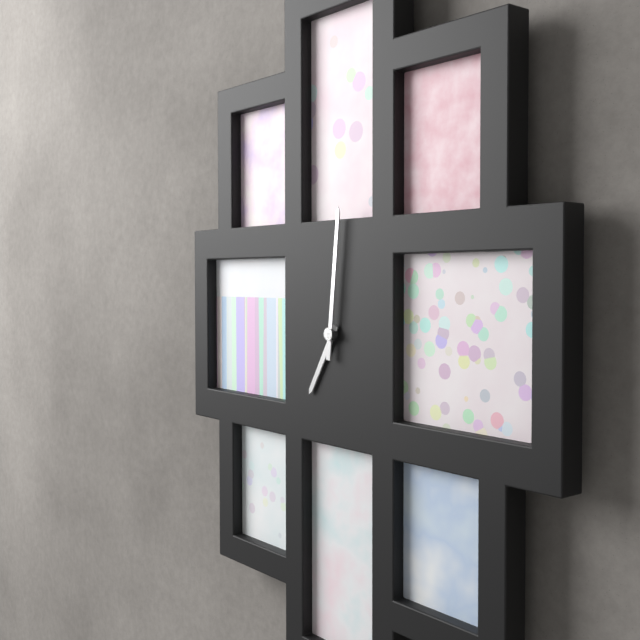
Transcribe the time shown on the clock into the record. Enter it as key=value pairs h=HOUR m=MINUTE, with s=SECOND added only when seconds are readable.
h=7 m=1
